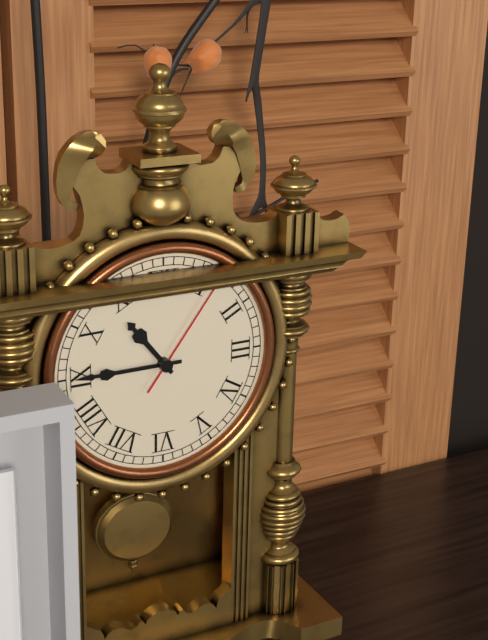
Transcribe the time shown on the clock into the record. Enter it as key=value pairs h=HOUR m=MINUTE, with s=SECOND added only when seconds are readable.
h=10 m=45 s=6
